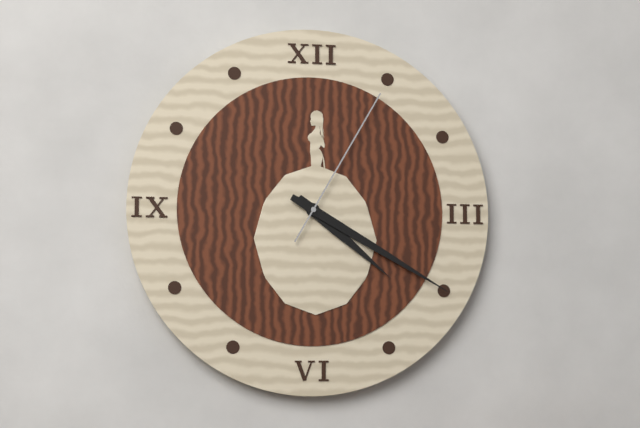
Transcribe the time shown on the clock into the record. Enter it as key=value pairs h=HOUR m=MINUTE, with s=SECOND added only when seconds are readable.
h=4 m=20 s=5
